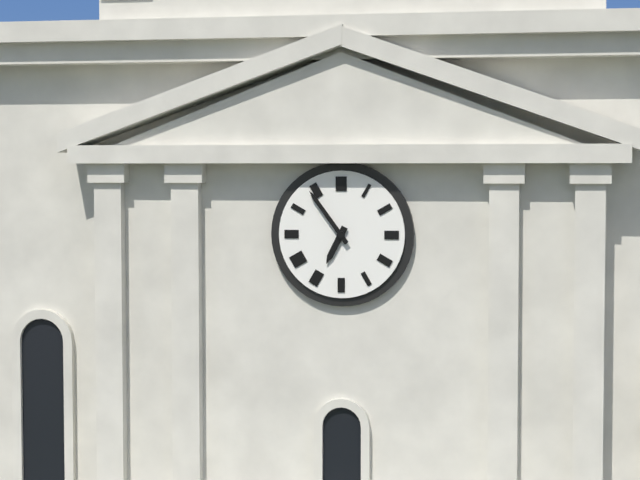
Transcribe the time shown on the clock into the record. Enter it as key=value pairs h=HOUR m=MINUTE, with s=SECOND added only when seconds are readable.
h=6 m=54
